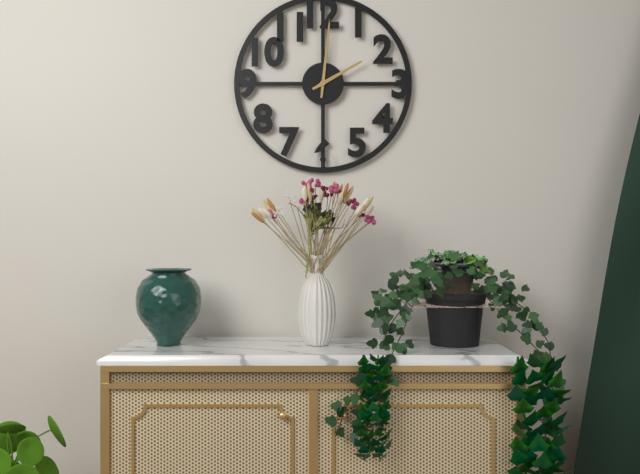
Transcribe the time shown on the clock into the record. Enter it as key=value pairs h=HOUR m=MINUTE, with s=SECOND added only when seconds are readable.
h=2 m=1
